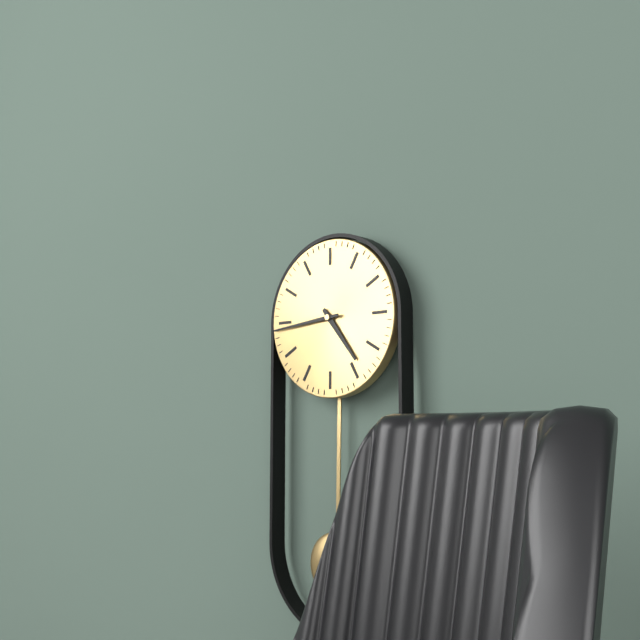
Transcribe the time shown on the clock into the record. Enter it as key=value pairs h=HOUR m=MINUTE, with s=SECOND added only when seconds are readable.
h=4 m=44
